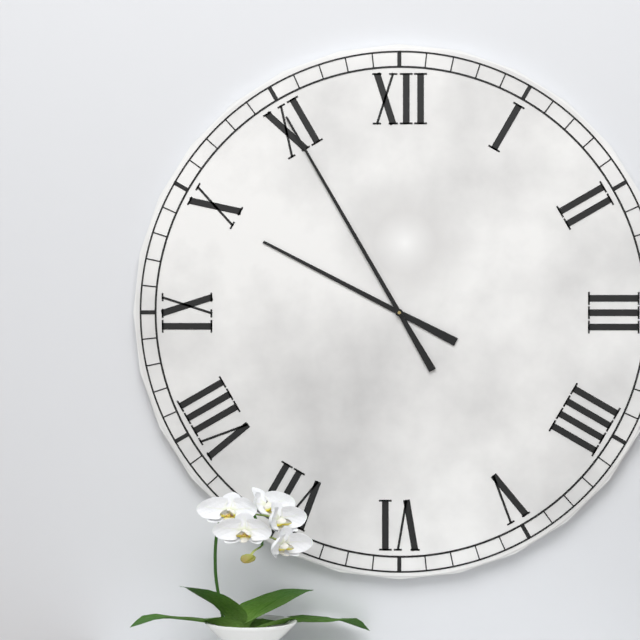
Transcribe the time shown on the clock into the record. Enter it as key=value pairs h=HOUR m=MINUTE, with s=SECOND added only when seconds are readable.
h=9 m=55
